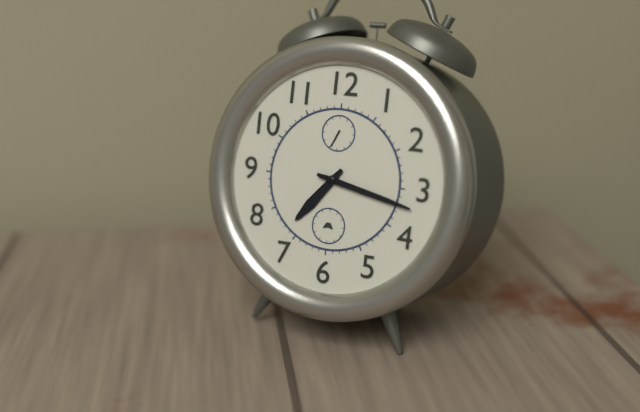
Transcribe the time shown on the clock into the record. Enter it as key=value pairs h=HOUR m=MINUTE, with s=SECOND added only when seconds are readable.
h=7 m=17
